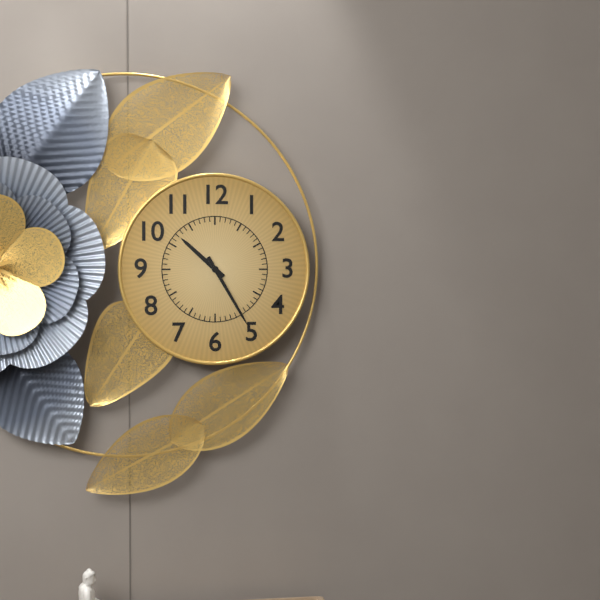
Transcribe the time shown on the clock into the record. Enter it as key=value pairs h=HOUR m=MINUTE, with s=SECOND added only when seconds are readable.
h=10 m=25
